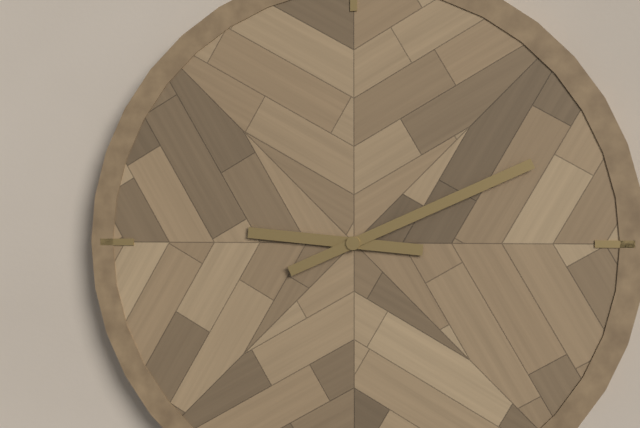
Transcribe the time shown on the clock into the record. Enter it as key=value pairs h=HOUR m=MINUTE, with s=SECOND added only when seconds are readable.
h=9 m=11
